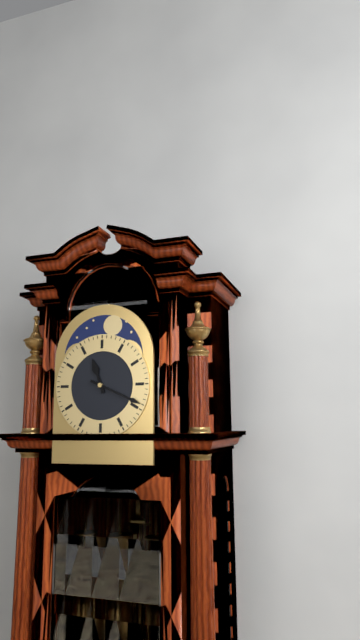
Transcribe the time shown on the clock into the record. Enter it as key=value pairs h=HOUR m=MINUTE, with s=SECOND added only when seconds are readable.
h=11 m=19
